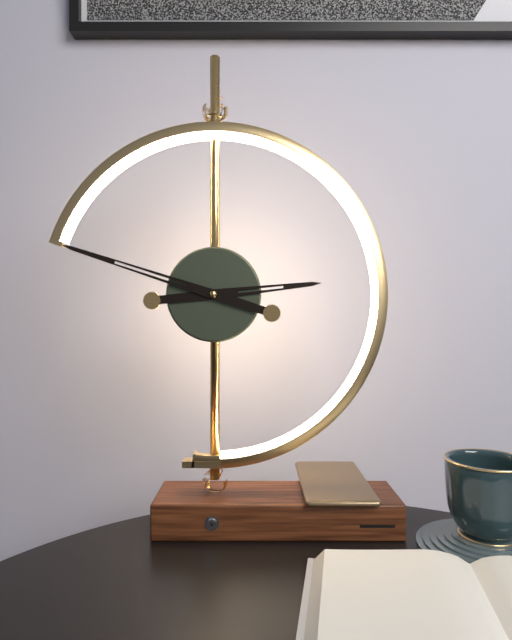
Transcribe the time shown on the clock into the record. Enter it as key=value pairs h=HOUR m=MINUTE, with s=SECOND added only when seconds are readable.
h=2 m=48
